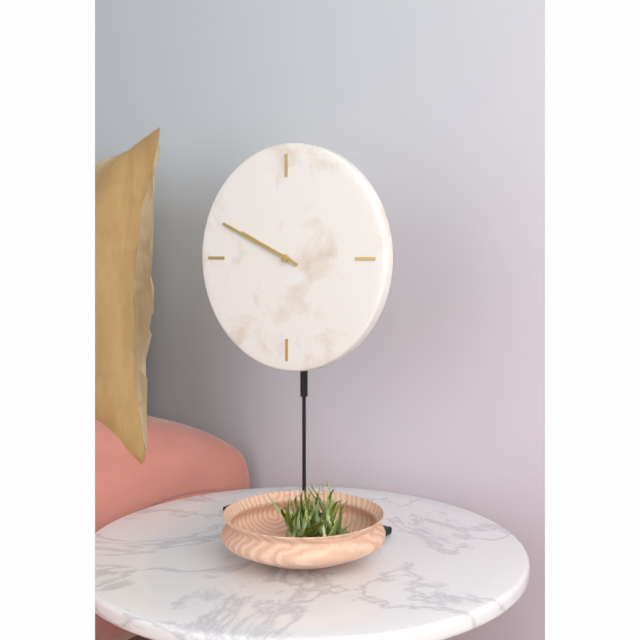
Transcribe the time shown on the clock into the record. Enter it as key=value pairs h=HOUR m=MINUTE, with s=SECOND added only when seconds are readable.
h=9 m=49
